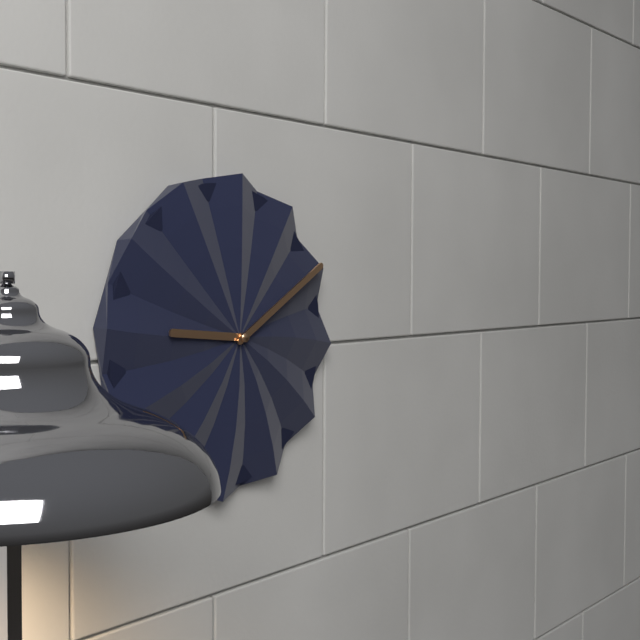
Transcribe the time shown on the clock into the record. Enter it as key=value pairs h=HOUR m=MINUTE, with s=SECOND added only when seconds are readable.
h=9 m=10
